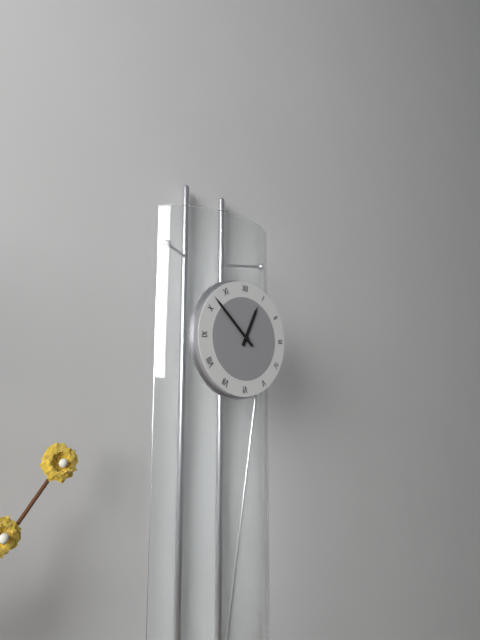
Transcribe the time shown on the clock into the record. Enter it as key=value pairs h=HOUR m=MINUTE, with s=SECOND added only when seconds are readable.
h=12 m=52
